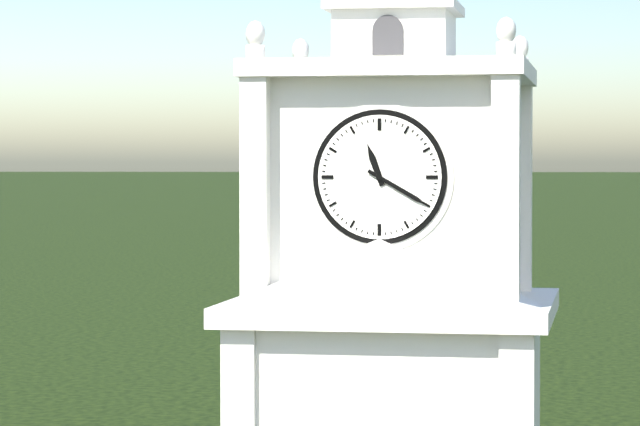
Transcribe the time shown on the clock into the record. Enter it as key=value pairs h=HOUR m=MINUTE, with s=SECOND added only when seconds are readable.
h=11 m=20
